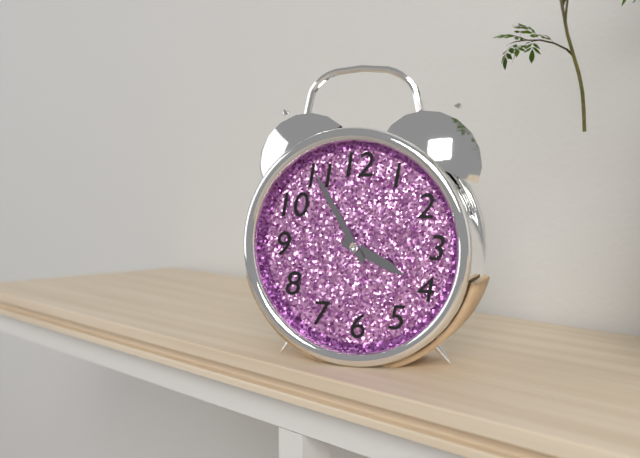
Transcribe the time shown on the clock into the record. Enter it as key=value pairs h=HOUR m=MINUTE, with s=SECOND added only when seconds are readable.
h=3 m=55
